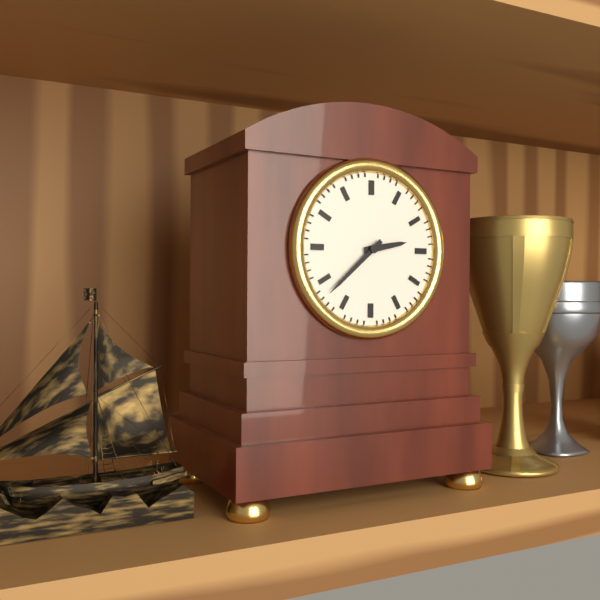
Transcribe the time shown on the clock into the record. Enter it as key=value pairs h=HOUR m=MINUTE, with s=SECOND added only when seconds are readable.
h=2 m=38
